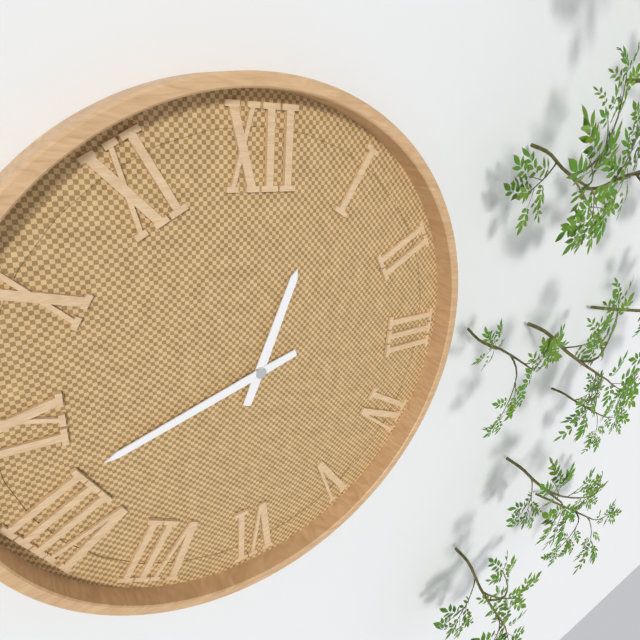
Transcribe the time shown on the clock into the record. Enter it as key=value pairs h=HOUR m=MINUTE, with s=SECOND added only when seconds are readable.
h=12 m=42
